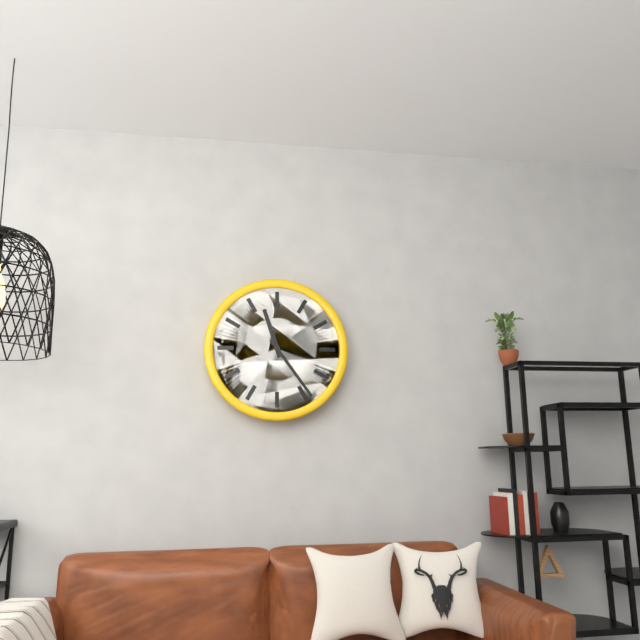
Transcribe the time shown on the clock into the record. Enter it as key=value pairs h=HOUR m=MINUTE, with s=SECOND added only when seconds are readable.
h=11 m=24
